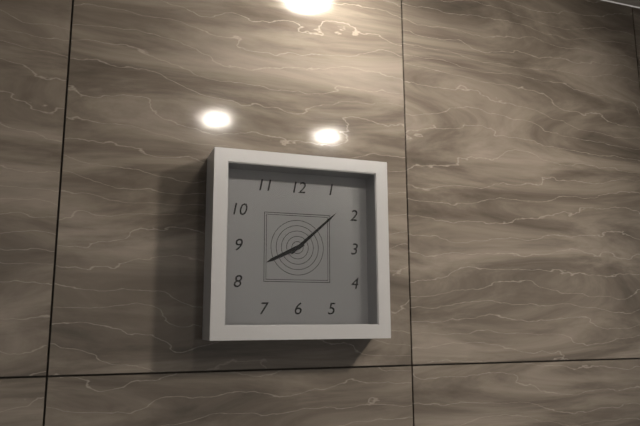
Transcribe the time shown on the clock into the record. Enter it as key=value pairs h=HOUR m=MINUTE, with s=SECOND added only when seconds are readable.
h=8 m=8
